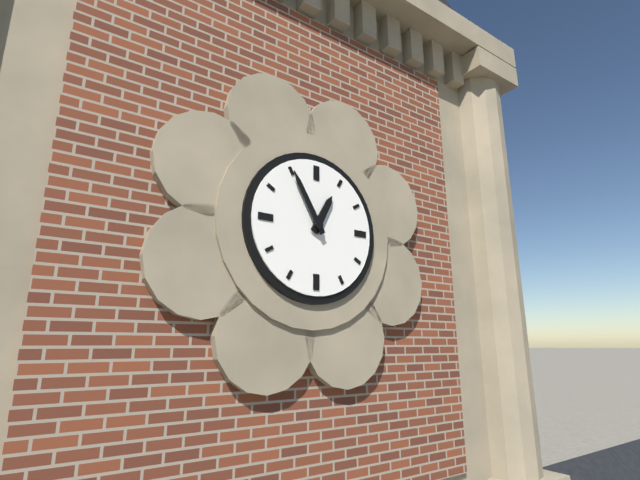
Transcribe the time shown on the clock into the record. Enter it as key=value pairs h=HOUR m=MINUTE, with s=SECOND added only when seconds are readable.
h=12 m=55
